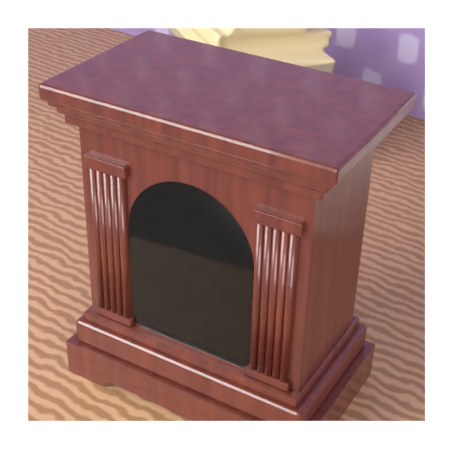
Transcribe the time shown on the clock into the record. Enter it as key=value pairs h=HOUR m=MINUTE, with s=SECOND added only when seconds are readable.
h=1 m=43
